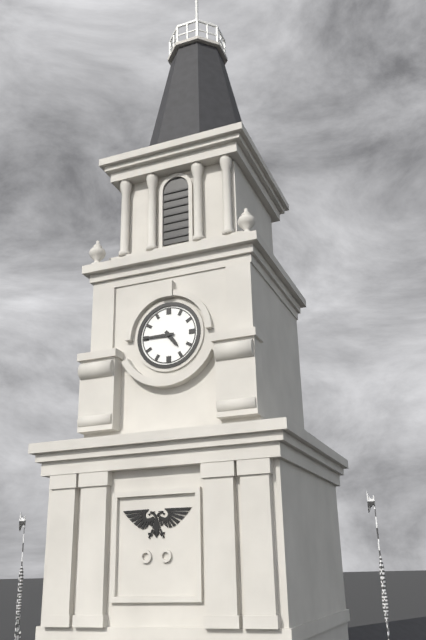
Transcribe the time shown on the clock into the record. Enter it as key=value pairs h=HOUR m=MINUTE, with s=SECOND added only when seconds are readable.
h=4 m=45
